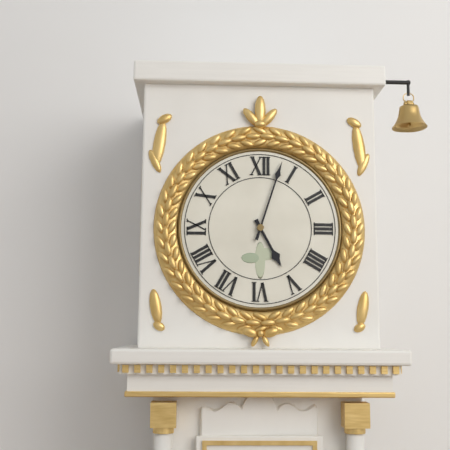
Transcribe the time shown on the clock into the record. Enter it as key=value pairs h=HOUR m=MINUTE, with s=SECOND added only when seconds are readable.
h=5 m=3
